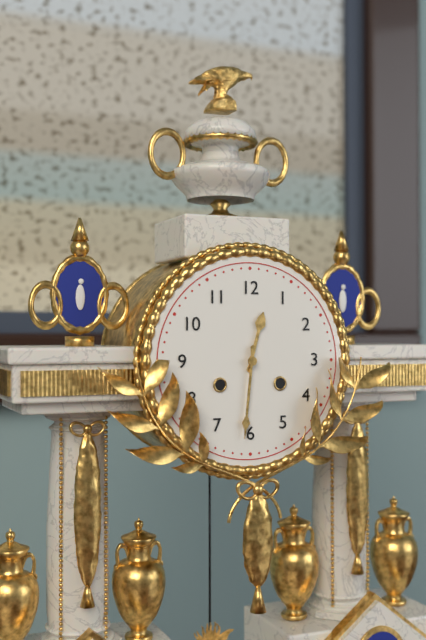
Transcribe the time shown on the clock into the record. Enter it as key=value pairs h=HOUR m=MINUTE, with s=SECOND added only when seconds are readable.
h=12 m=31
